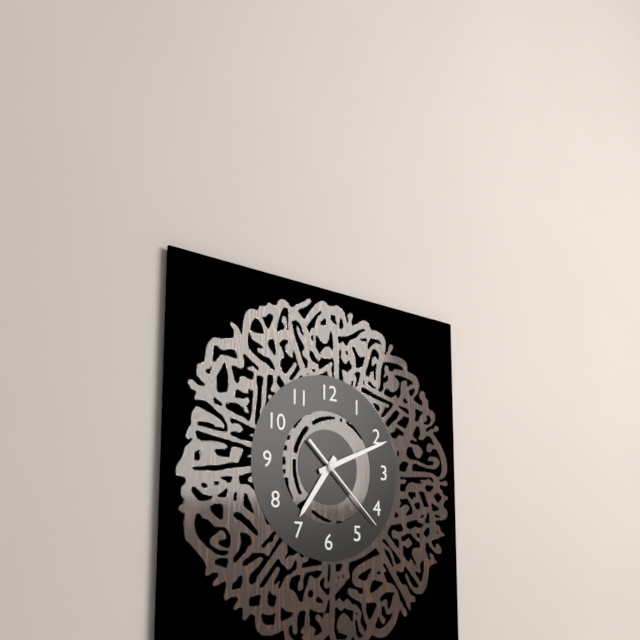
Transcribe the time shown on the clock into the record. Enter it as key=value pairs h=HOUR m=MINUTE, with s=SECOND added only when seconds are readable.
h=7 m=11 s=22
